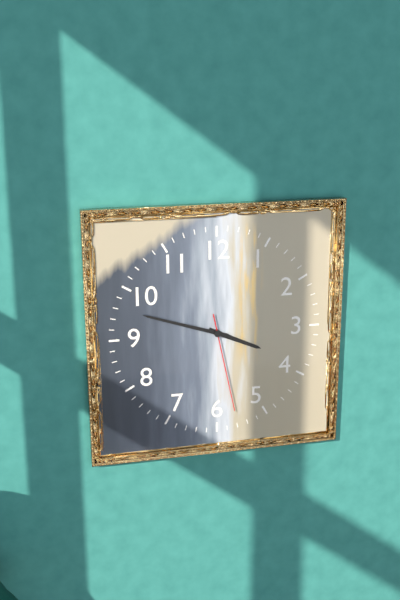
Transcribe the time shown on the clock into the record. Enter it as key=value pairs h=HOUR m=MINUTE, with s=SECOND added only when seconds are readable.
h=3 m=48 s=28
